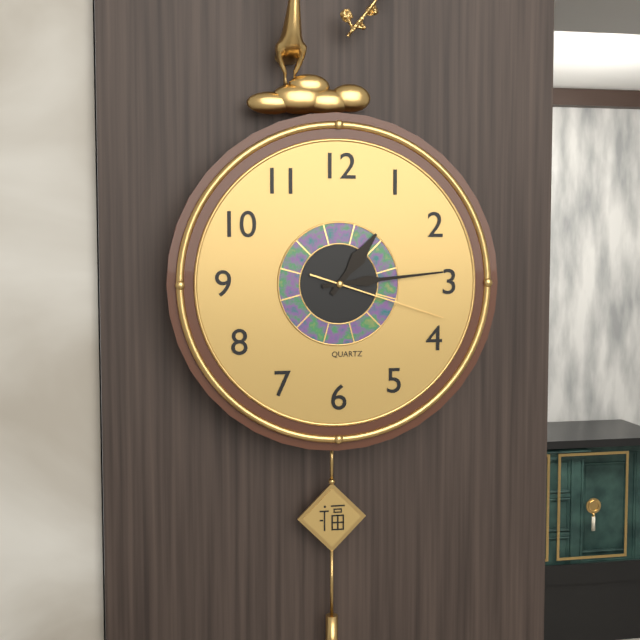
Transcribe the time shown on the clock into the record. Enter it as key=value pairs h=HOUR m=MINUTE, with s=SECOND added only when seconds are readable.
h=1 m=14 s=18
